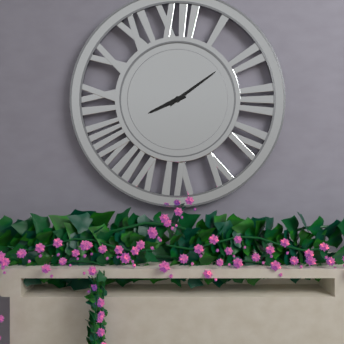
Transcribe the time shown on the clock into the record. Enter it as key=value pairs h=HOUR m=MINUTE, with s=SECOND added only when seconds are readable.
h=8 m=9
